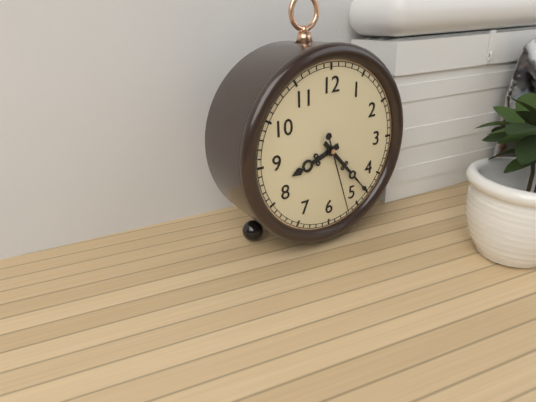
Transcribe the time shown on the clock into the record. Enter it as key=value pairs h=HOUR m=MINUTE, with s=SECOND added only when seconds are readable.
h=8 m=23 s=27
